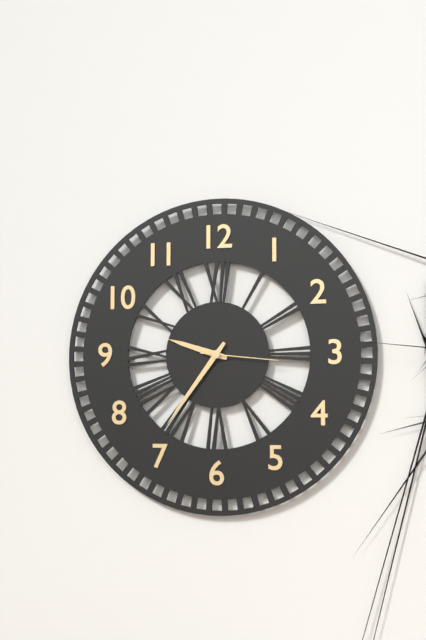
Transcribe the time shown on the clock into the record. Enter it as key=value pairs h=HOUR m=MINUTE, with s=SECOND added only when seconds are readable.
h=9 m=36 s=16
